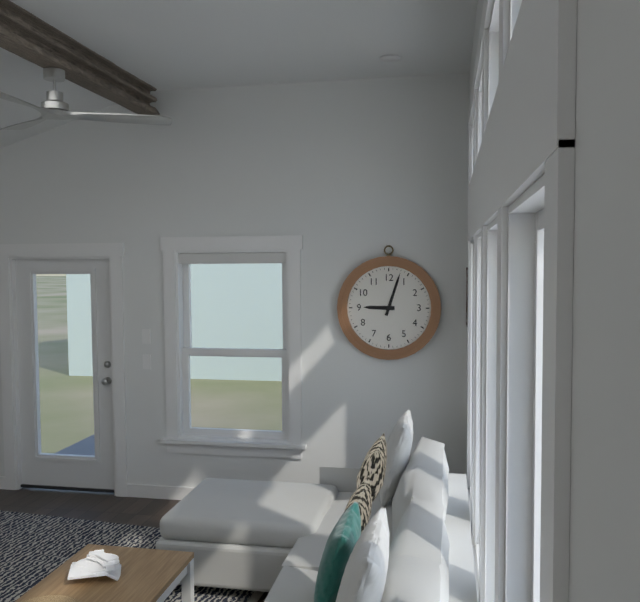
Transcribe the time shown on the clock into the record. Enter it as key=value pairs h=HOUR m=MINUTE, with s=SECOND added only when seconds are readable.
h=9 m=3
